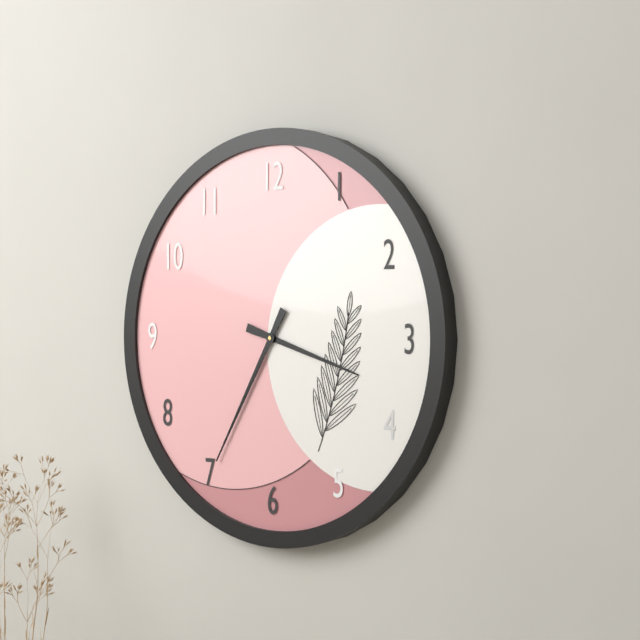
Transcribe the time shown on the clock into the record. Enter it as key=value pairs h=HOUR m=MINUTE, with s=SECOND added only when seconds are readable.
h=3 m=35
